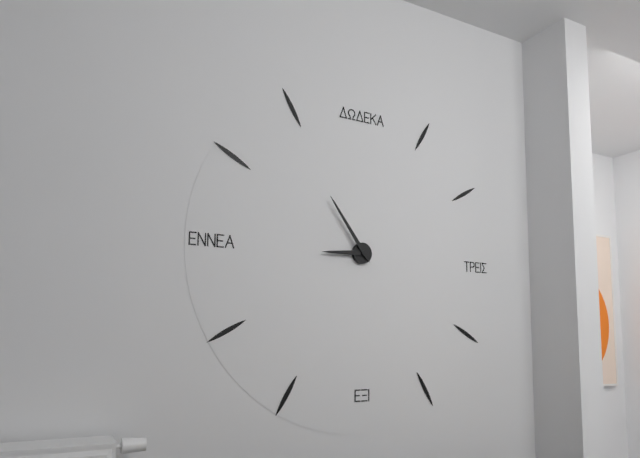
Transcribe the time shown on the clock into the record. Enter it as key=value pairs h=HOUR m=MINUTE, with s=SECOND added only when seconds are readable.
h=8 m=54
